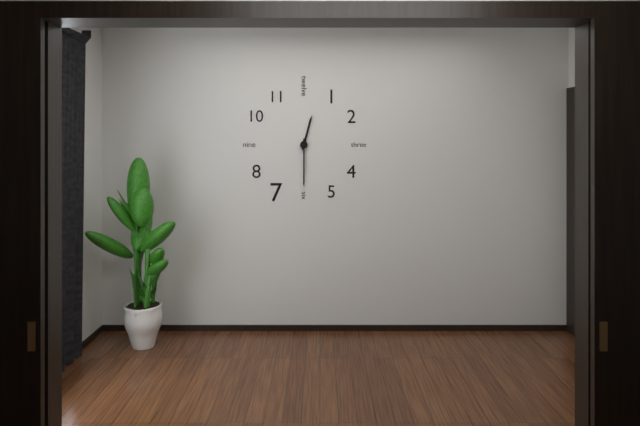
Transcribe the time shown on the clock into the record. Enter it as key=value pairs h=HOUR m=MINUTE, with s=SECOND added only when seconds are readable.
h=12 m=30
